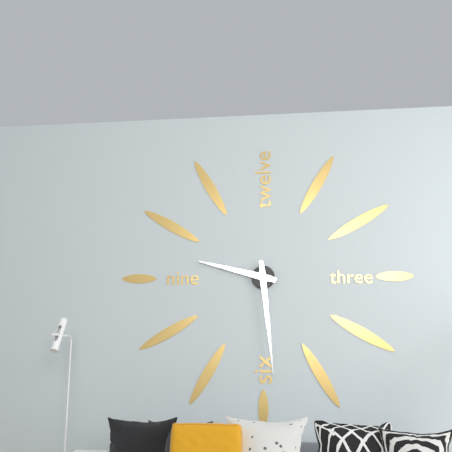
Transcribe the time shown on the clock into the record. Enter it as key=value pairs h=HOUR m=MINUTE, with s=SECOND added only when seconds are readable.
h=9 m=29
